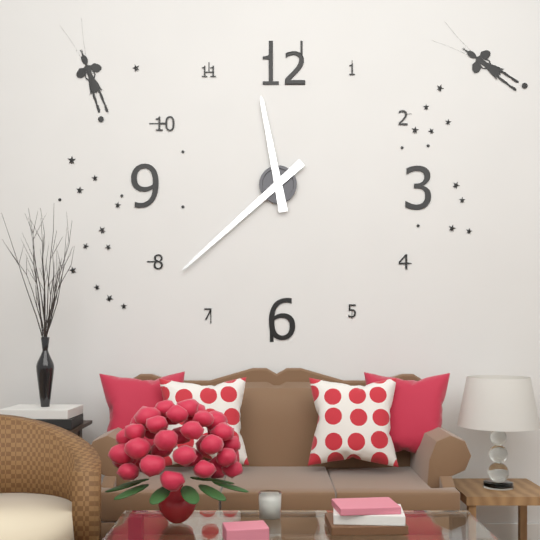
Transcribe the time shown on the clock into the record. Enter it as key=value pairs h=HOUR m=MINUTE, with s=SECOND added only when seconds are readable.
h=11 m=38
